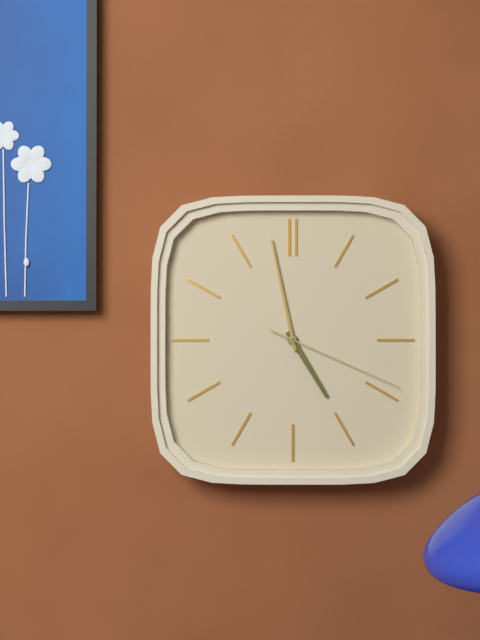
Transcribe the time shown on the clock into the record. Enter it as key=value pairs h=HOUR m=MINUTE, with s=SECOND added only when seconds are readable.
h=4 m=58 s=19
